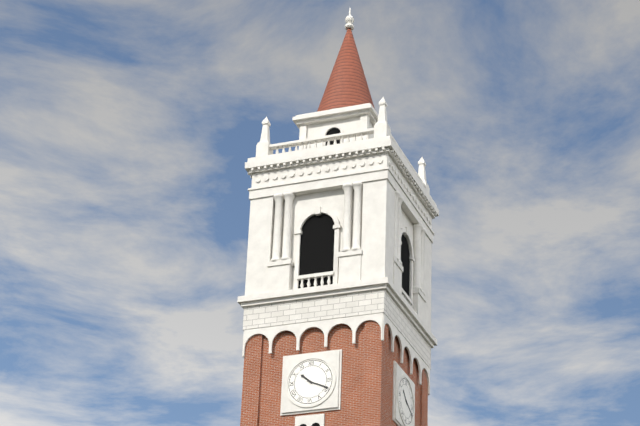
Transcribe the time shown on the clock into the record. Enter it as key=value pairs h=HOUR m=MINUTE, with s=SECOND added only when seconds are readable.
h=10 m=19
